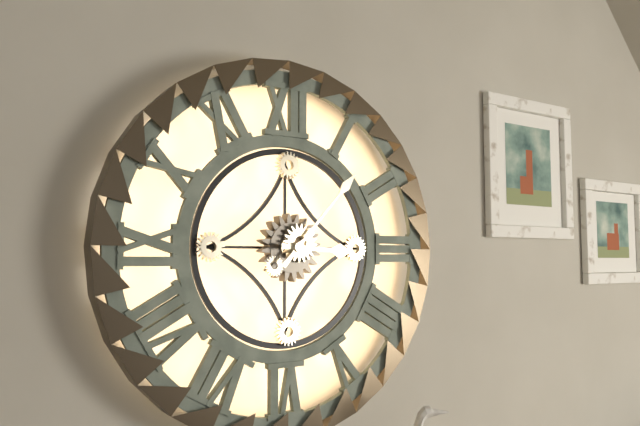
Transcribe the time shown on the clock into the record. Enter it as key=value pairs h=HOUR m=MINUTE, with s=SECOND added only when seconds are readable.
h=3 m=7
